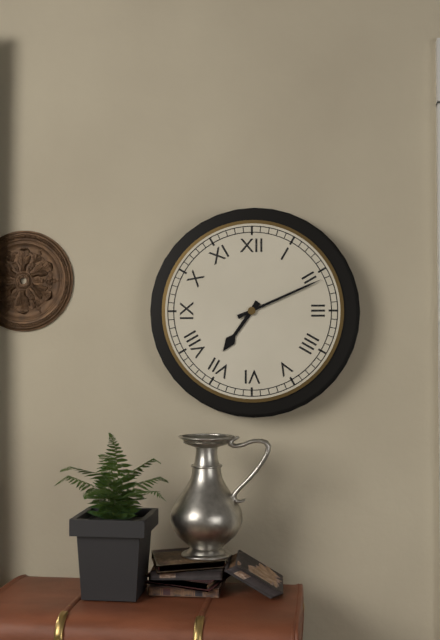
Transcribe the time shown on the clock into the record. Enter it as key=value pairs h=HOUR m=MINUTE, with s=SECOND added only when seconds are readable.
h=7 m=11
